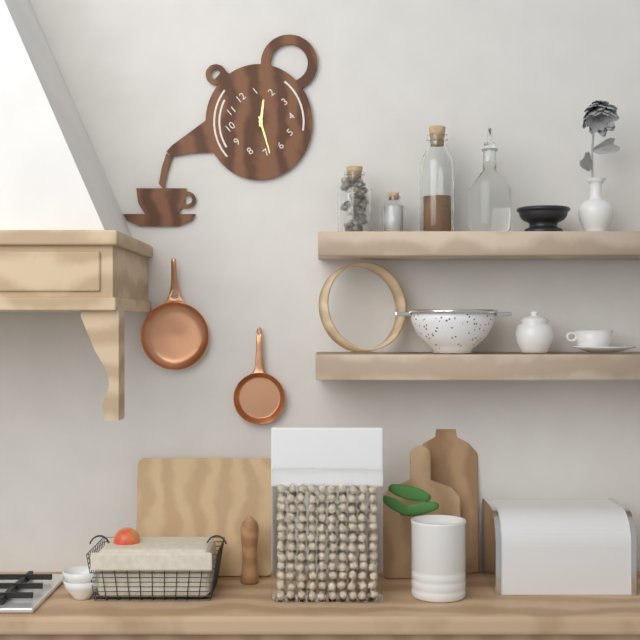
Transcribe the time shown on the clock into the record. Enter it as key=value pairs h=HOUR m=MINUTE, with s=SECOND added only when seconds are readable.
h=1 m=34
